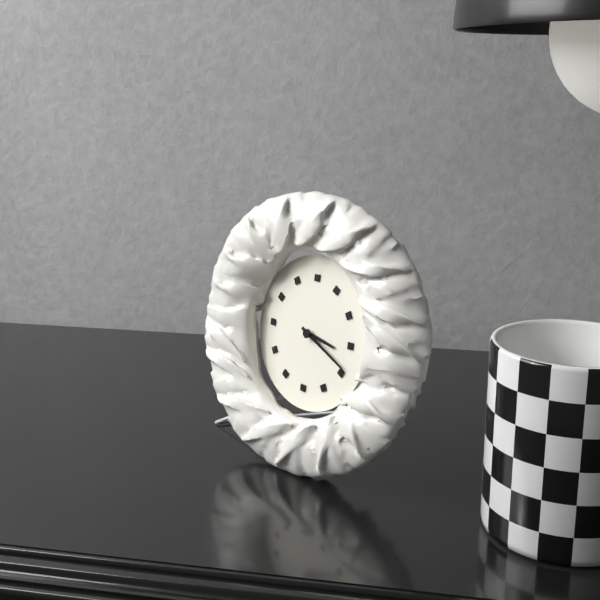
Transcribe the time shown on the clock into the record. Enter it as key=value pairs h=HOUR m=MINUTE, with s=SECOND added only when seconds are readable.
h=3 m=19
